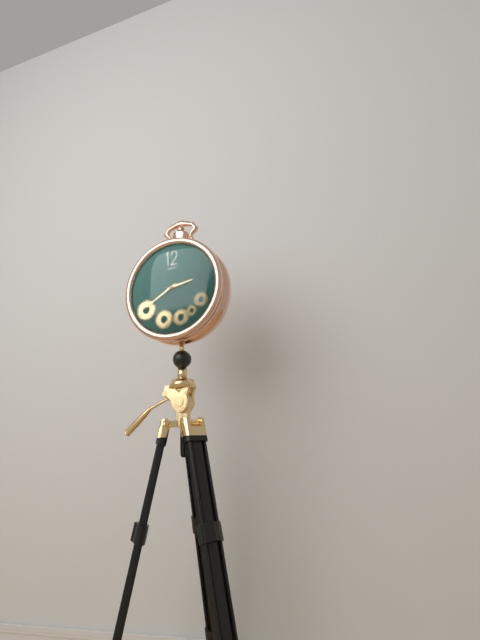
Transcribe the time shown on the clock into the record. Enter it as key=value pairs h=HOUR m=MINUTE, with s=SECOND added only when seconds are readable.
h=2 m=40
